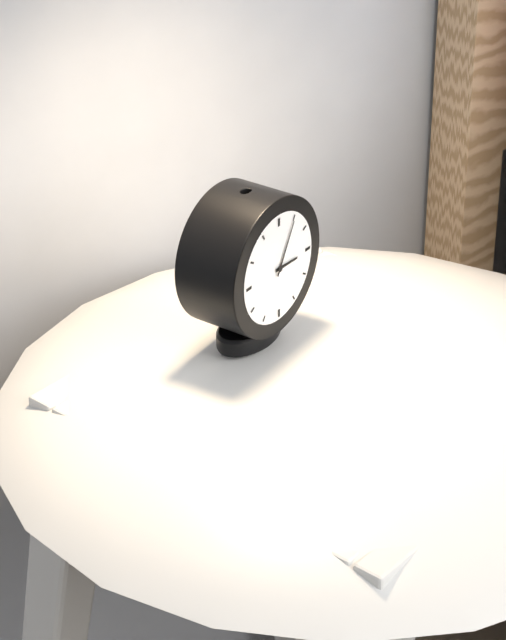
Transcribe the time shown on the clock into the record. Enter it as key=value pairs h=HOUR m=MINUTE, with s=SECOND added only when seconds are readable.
h=3 m=5
